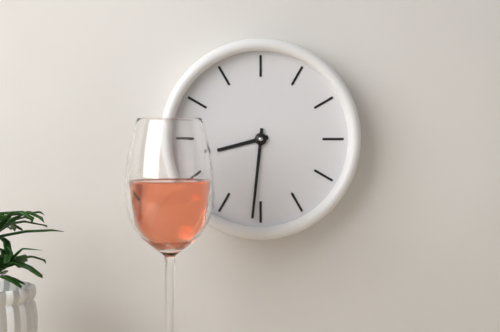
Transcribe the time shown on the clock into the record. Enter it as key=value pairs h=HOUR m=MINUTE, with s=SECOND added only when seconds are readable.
h=8 m=31
